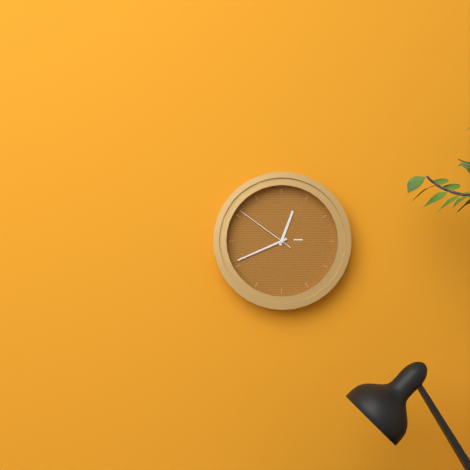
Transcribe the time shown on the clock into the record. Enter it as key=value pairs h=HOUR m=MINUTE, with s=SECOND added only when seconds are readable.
h=12 m=41 s=51
